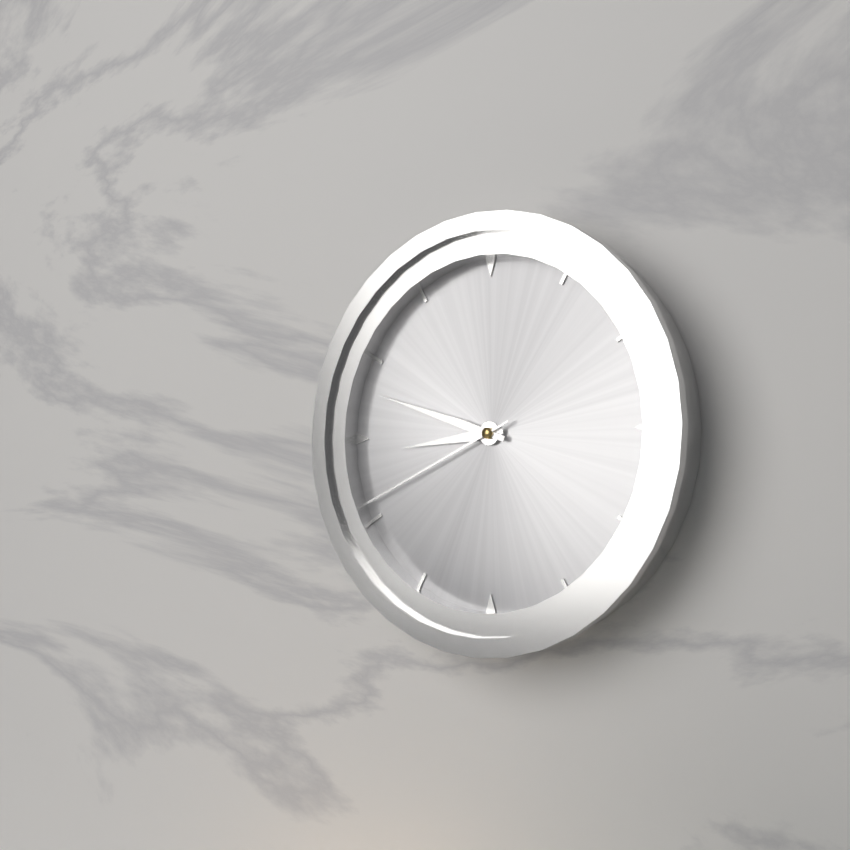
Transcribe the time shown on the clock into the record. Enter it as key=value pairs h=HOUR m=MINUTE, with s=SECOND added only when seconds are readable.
h=8 m=48 s=41
